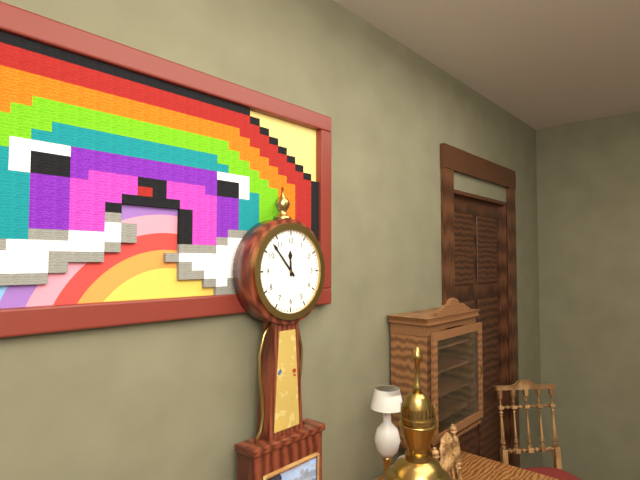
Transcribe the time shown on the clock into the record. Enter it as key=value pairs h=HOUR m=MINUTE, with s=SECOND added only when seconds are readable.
h=11 m=53
